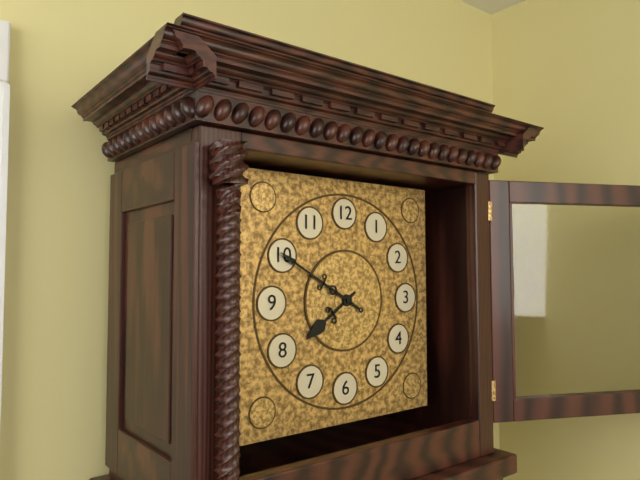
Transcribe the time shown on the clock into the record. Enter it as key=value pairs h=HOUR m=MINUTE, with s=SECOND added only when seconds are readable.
h=7 m=50
